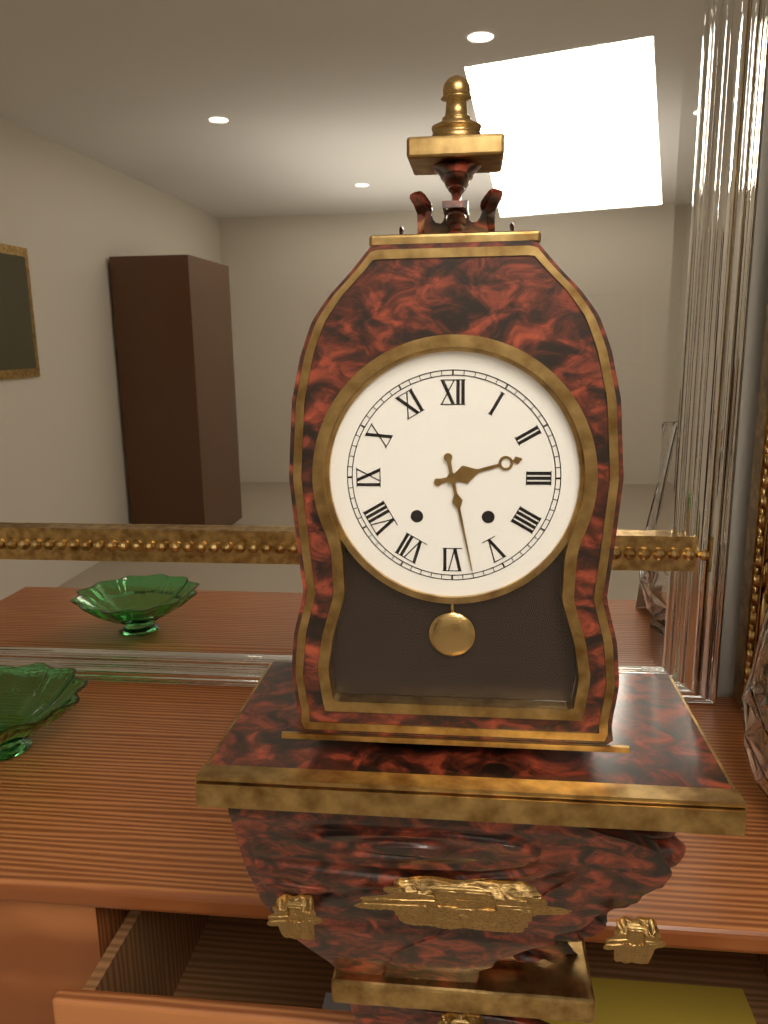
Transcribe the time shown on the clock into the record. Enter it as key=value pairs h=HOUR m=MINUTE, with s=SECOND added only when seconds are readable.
h=2 m=28
